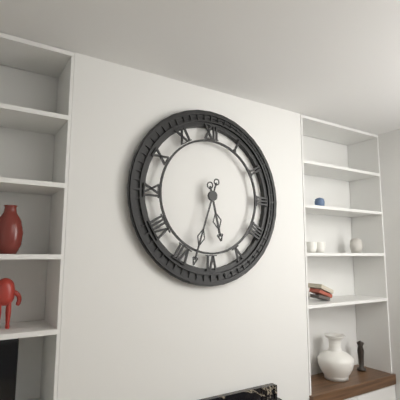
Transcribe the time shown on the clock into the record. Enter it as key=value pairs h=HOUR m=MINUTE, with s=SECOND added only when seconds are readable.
h=5 m=33
